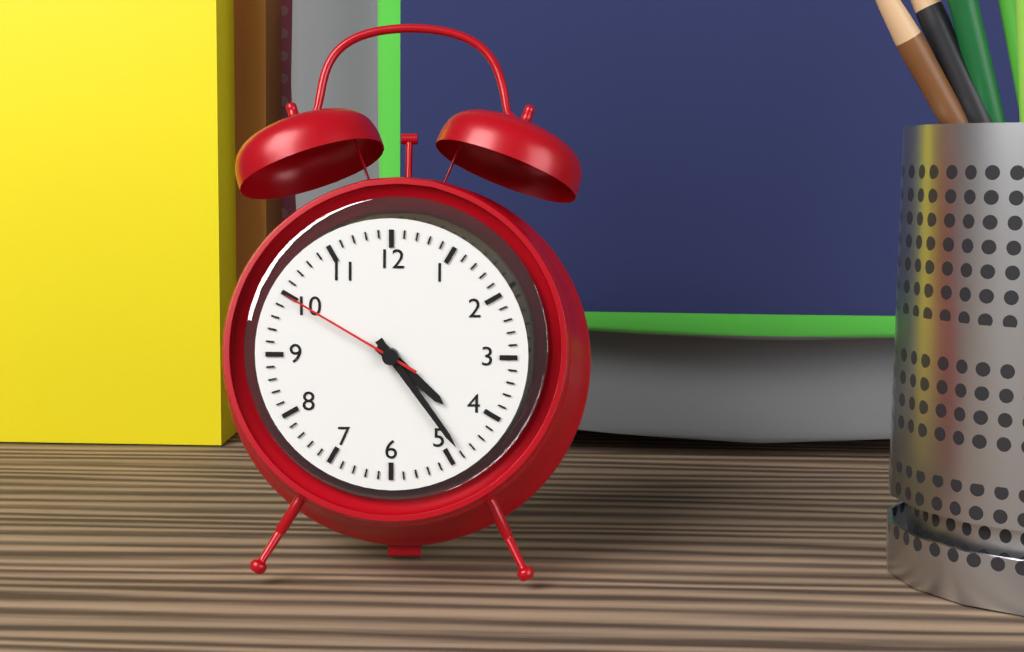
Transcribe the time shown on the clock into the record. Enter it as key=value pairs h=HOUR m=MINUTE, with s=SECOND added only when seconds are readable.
h=4 m=24 s=50
